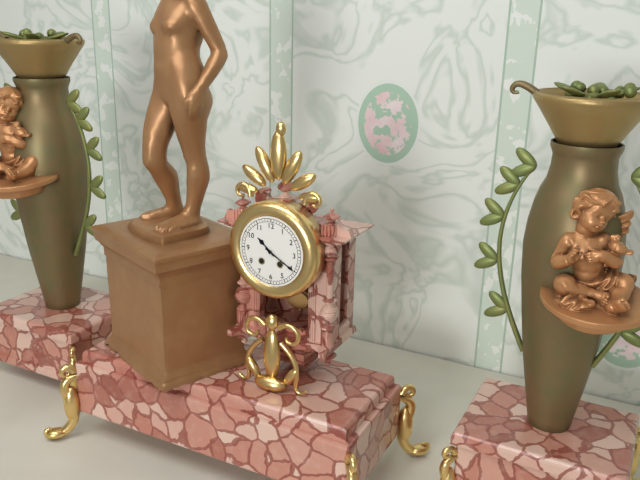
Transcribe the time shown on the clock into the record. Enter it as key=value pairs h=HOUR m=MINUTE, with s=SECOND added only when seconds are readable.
h=10 m=20
